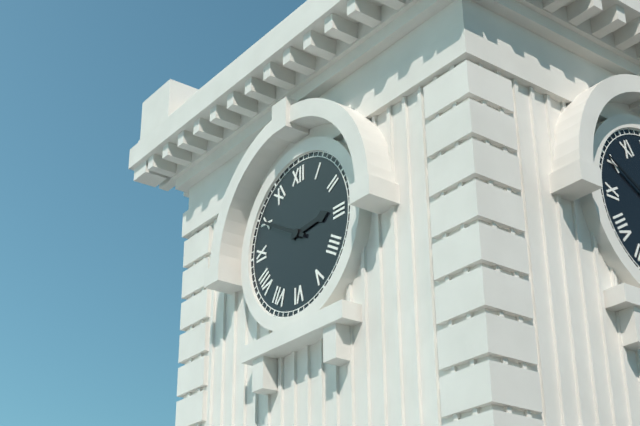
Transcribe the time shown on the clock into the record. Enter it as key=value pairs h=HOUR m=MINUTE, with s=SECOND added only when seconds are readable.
h=2 m=50
